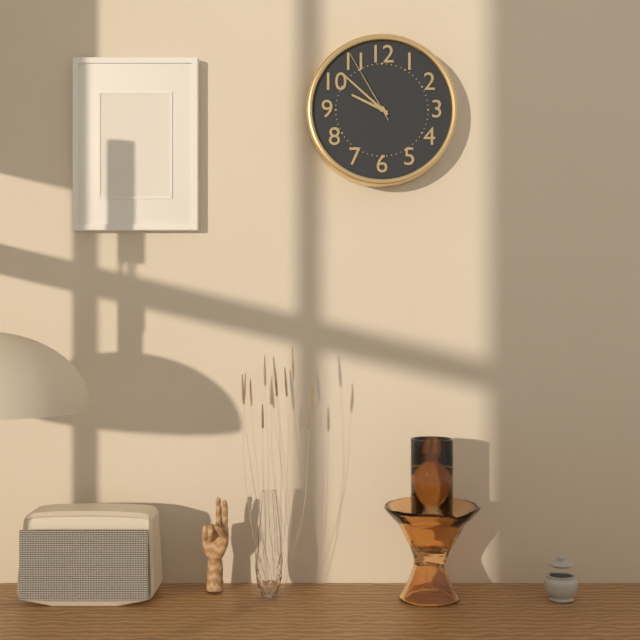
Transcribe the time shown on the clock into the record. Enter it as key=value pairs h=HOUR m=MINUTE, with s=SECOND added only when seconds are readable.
h=9 m=52 s=55
